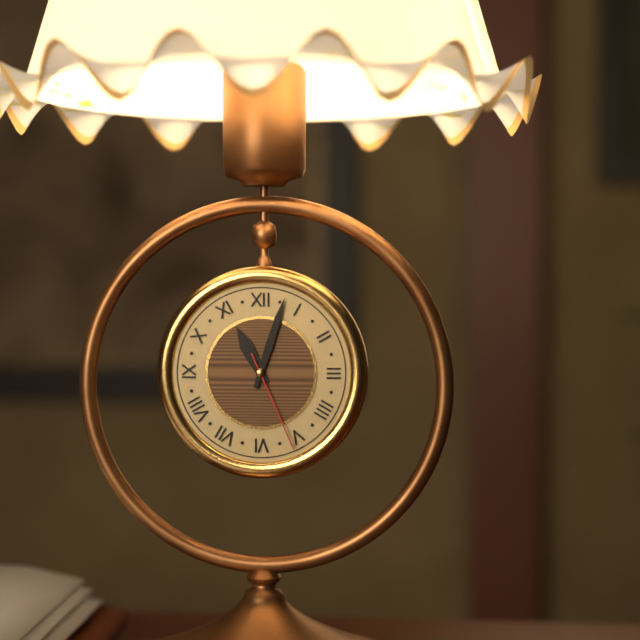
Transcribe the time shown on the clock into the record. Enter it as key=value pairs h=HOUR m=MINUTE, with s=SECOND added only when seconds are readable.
h=11 m=3 s=26
